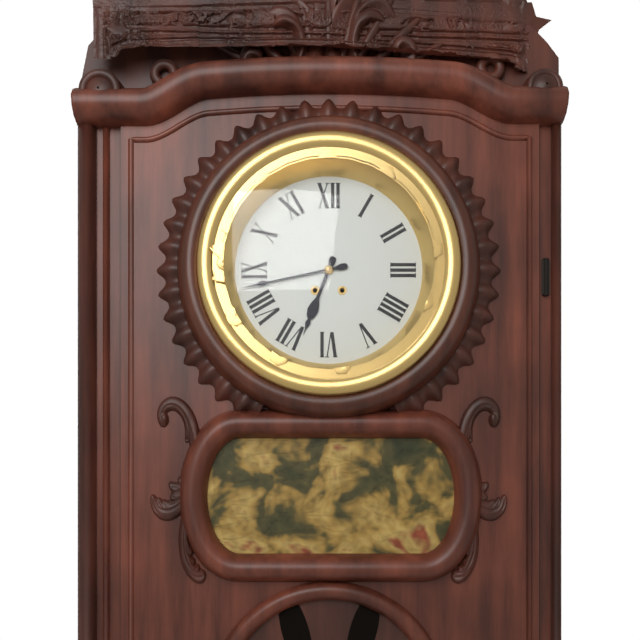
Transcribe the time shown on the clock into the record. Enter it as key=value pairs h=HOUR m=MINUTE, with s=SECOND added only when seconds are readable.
h=6 m=43
